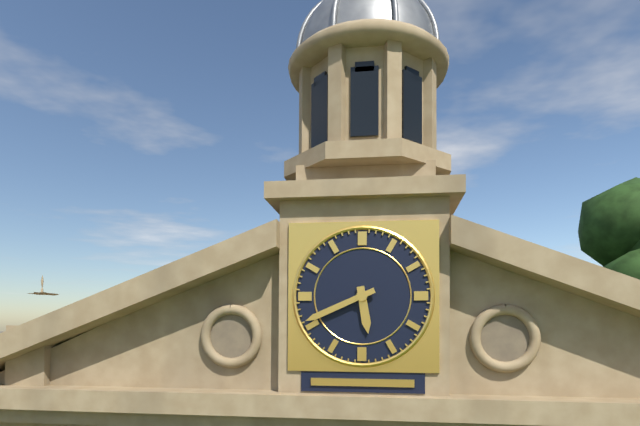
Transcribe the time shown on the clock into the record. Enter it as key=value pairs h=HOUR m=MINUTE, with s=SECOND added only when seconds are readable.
h=5 m=41
